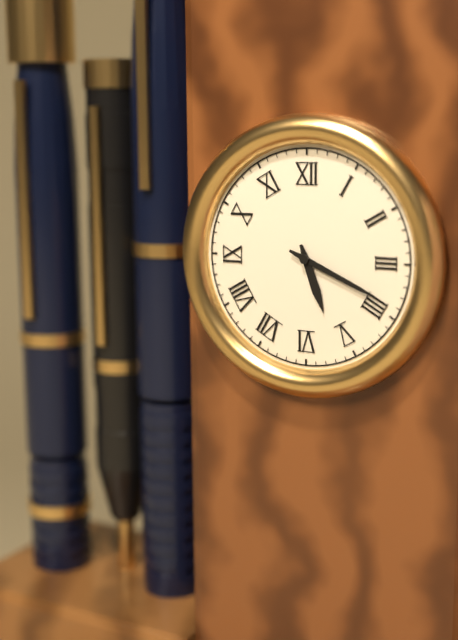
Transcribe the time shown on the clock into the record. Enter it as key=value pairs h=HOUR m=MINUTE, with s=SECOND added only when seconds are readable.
h=5 m=19
